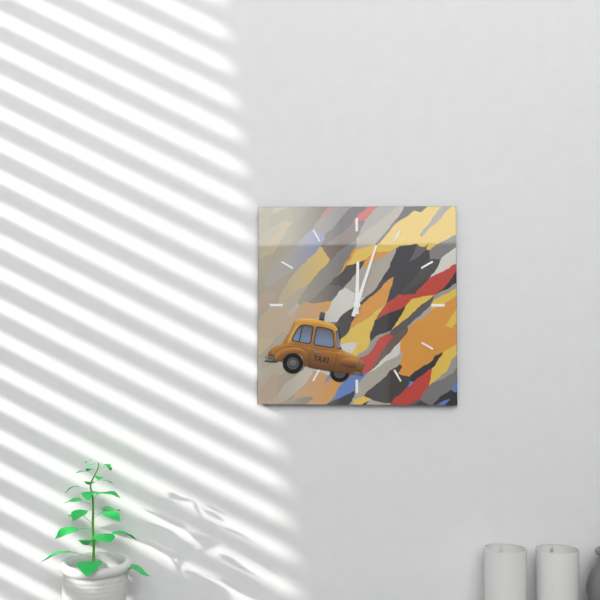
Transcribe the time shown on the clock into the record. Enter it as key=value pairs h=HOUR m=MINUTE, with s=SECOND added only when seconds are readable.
h=12 m=3
